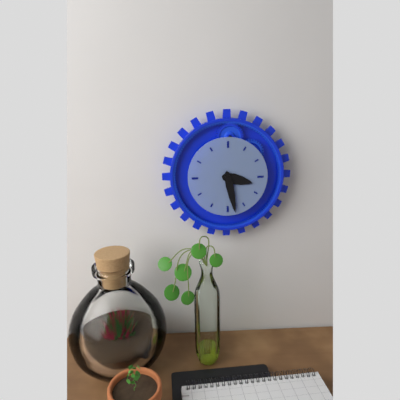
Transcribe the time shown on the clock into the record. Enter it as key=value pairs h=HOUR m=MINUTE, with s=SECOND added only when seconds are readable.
h=3 m=28
